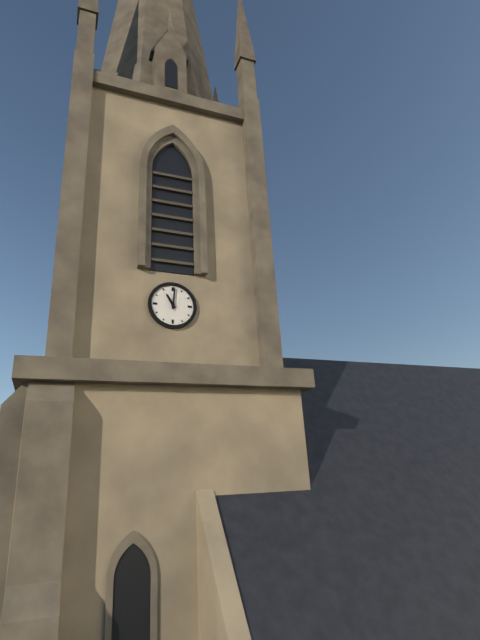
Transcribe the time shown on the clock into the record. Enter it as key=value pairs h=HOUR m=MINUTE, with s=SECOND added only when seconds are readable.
h=11 m=1
